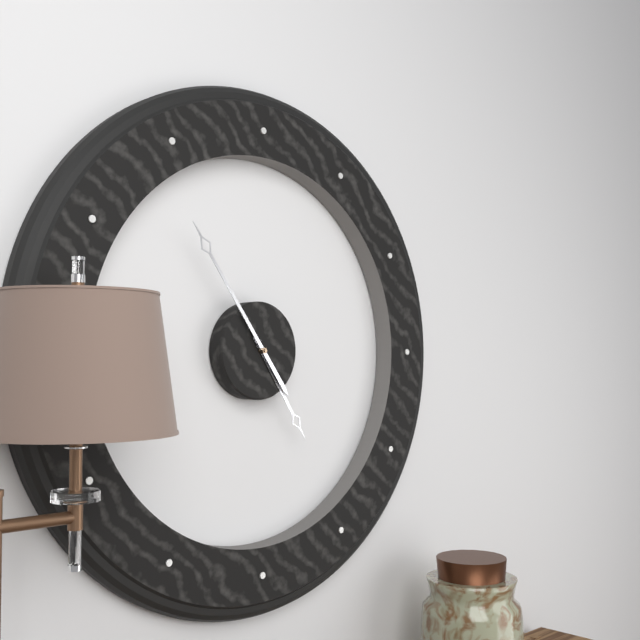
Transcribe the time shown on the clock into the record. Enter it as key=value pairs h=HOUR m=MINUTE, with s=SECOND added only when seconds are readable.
h=4 m=54
